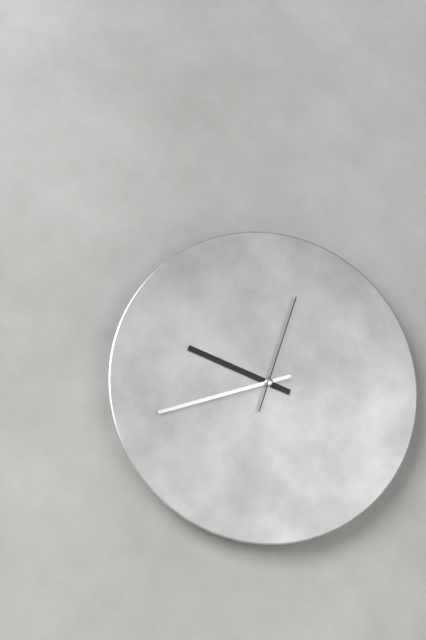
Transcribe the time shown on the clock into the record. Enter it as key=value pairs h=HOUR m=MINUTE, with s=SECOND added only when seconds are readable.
h=9 m=42 s=3
